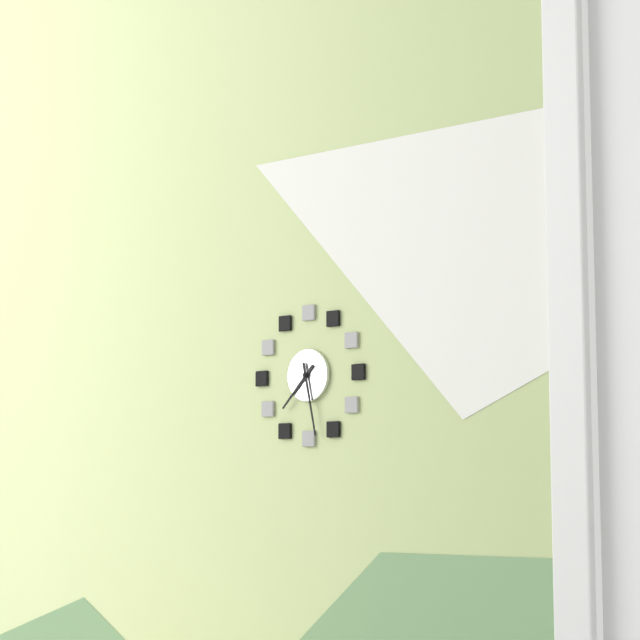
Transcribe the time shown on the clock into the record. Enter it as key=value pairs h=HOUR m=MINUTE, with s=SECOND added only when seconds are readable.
h=7 m=28
